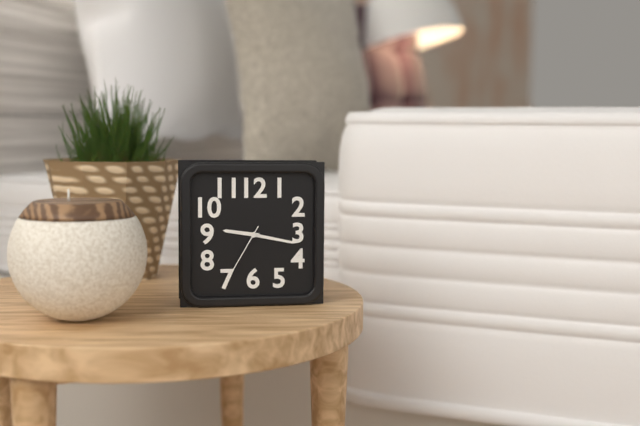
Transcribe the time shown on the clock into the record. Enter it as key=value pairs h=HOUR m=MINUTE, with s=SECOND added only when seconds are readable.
h=9 m=17 s=35
